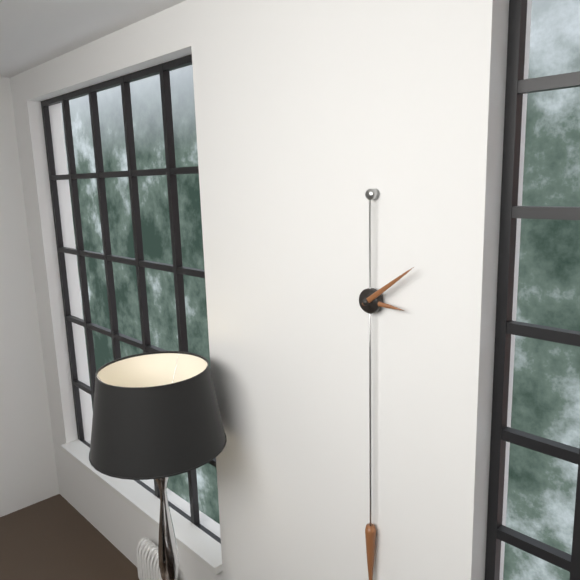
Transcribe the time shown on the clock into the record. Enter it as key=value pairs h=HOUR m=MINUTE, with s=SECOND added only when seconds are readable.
h=3 m=9
